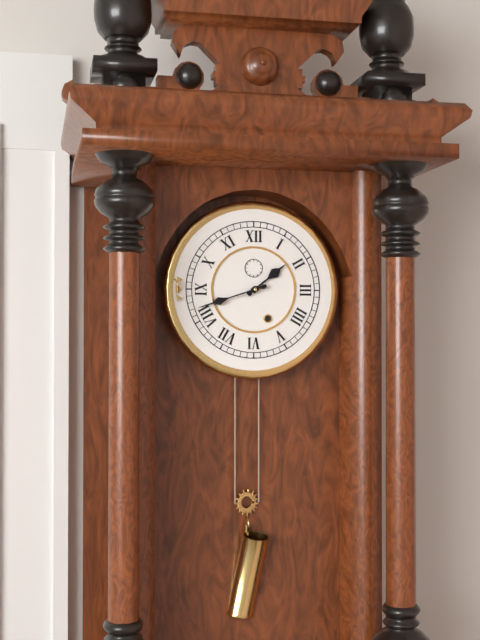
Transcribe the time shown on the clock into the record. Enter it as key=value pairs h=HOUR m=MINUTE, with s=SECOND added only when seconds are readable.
h=1 m=42
